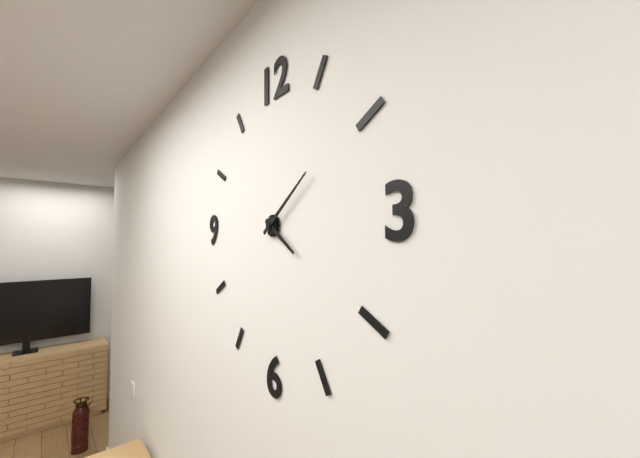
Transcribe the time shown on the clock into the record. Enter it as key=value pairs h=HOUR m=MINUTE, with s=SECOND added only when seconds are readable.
h=4 m=9
